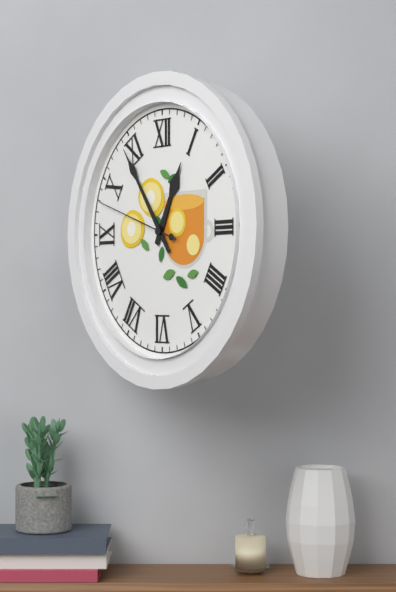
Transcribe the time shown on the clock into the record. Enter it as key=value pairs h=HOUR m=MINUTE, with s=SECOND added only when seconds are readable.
h=12 m=54 s=48
